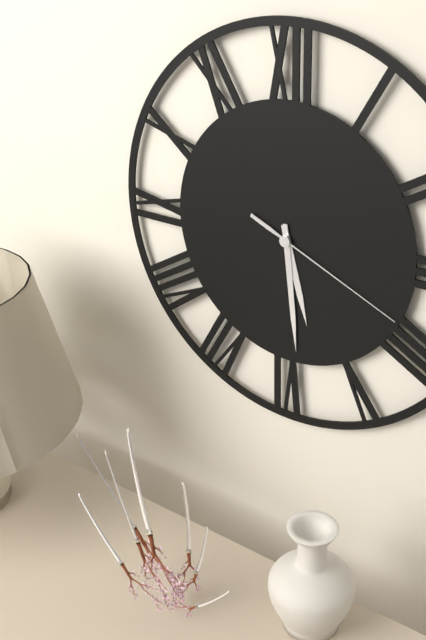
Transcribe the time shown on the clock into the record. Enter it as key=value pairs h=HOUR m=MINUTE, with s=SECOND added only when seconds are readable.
h=5 m=29 s=19
